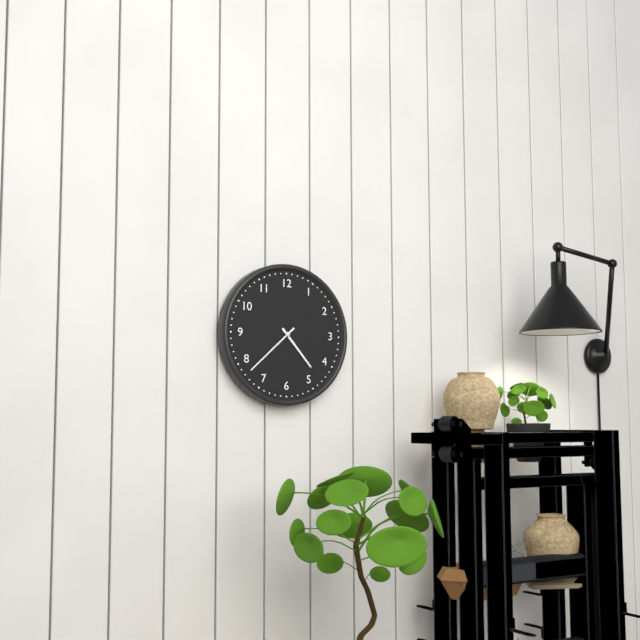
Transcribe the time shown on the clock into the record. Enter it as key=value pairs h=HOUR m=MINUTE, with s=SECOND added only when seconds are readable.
h=4 m=38
